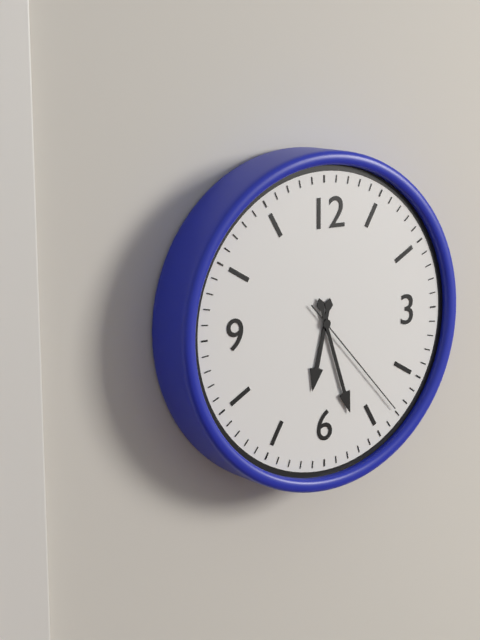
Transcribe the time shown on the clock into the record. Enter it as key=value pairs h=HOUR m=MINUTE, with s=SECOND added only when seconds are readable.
h=6 m=27 s=23
